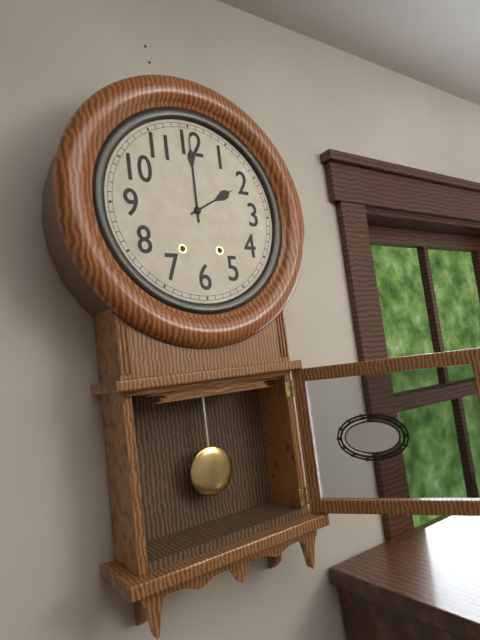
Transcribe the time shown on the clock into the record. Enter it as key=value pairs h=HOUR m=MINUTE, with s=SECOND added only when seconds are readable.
h=2 m=0
